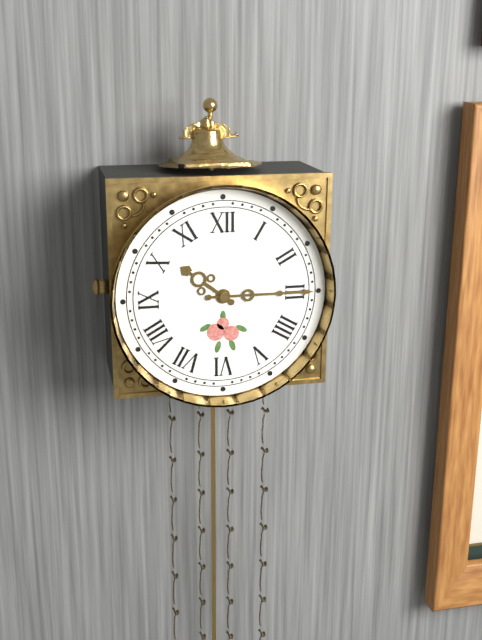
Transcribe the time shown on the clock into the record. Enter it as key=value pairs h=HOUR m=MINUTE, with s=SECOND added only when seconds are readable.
h=10 m=15
